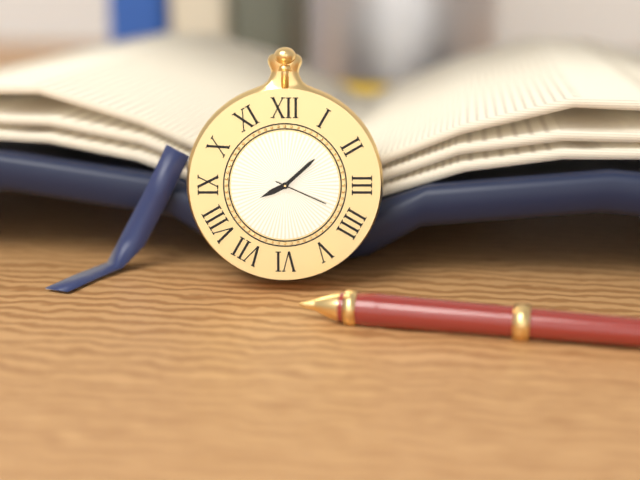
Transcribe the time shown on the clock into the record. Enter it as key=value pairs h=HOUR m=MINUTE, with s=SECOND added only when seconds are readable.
h=8 m=8 s=19
